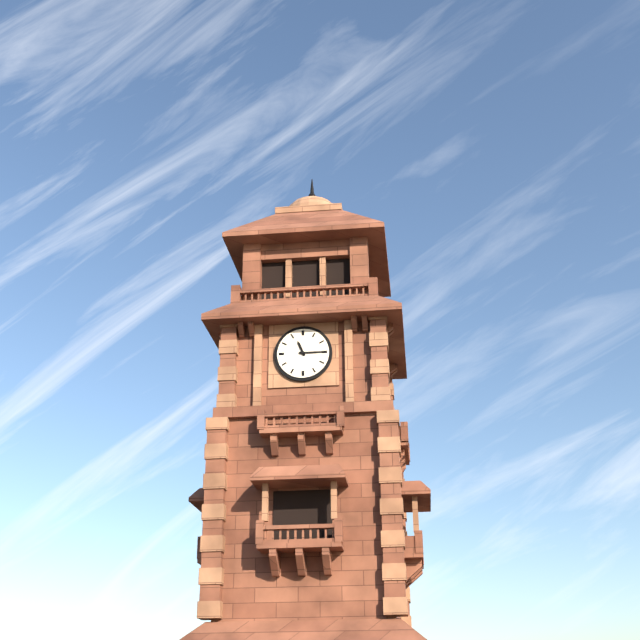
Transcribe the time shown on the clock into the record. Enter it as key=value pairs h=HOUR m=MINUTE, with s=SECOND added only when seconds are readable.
h=11 m=15
